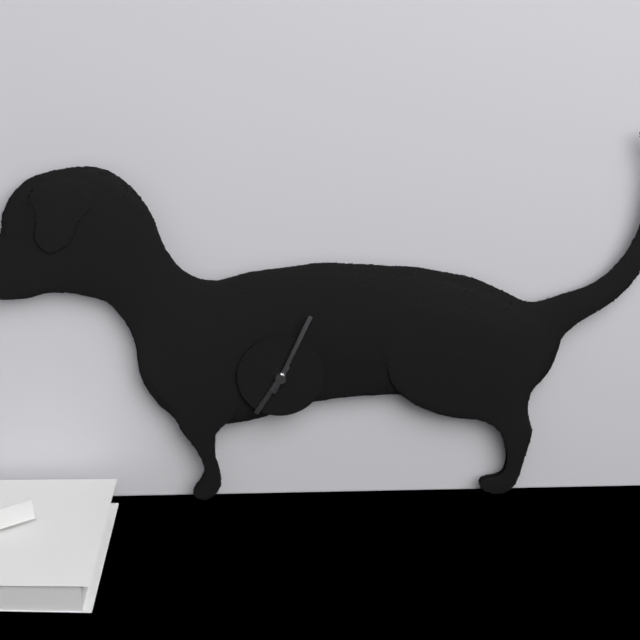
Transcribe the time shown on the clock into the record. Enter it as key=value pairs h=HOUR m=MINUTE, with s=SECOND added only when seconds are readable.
h=7 m=4
